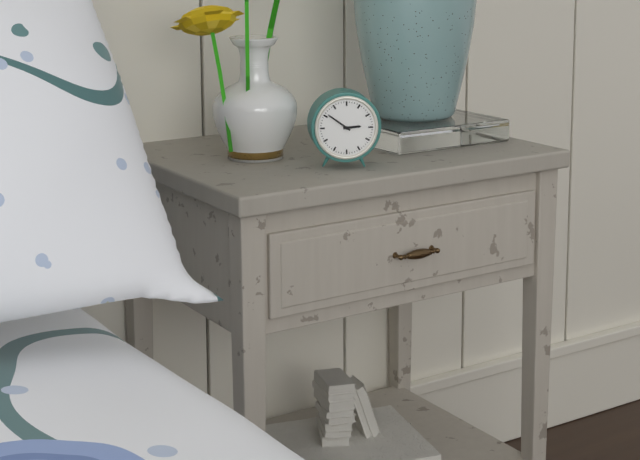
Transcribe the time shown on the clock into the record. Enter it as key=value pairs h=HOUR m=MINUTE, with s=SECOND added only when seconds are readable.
h=2 m=51
